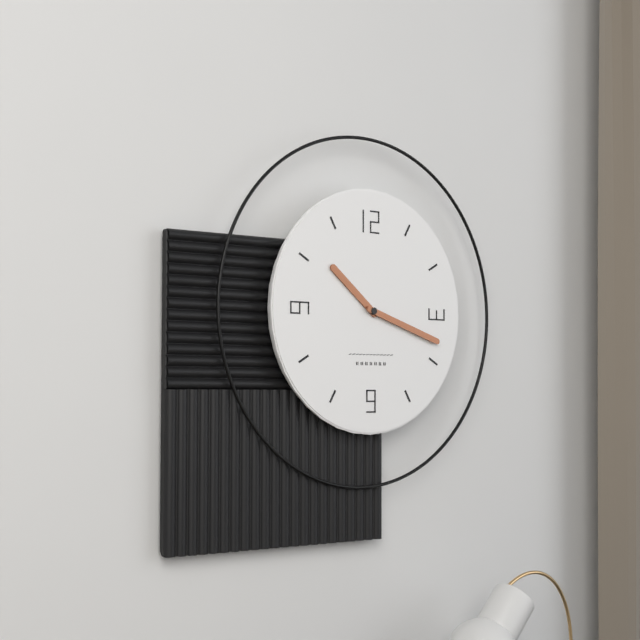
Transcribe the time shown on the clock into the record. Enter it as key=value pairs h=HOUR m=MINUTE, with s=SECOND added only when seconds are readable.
h=10 m=18
